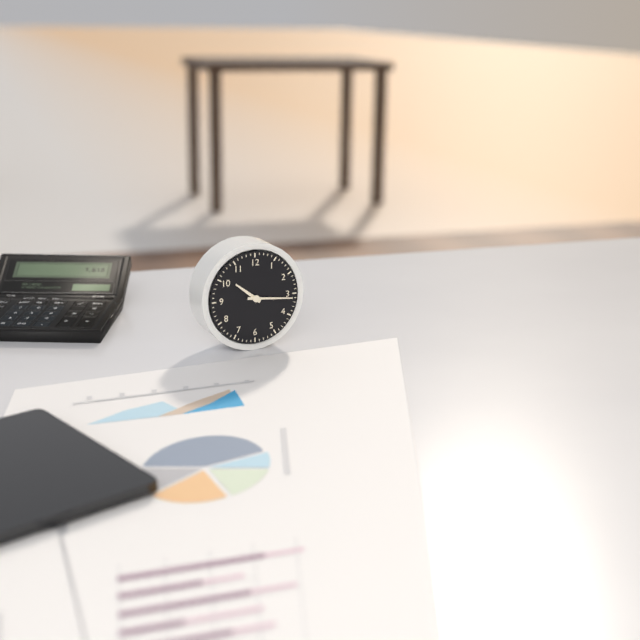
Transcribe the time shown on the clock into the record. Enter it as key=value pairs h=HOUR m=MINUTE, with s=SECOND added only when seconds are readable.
h=10 m=16
